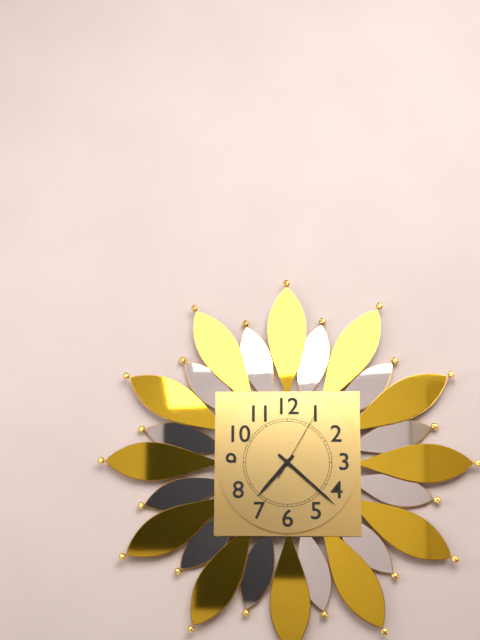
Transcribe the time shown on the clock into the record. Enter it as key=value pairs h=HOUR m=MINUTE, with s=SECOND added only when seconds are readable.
h=7 m=22 s=5
